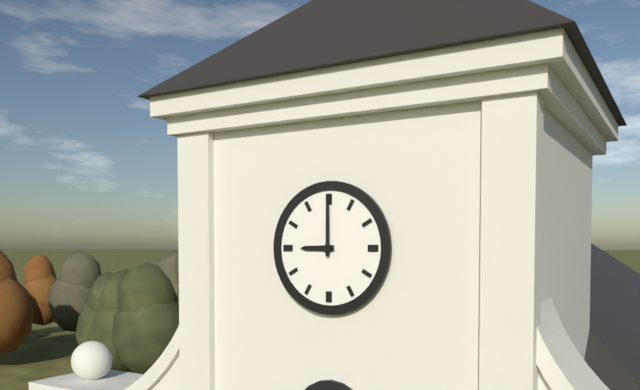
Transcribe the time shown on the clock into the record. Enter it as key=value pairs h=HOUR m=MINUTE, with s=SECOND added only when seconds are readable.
h=9 m=0
